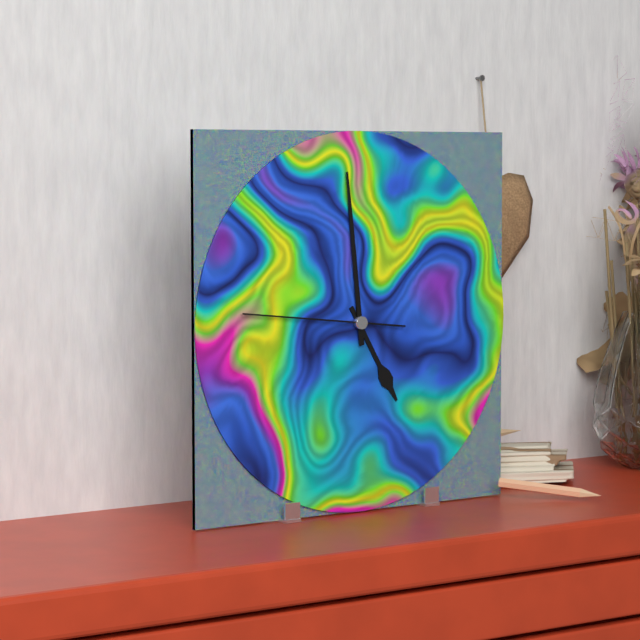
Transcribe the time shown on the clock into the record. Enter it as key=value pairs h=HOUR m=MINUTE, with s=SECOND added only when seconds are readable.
h=4 m=59 s=46
